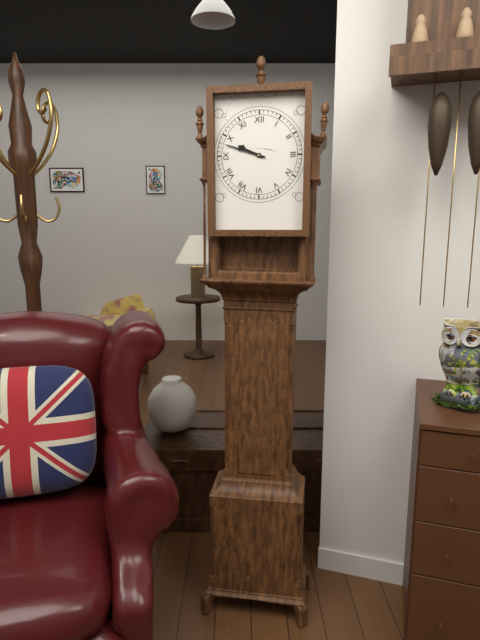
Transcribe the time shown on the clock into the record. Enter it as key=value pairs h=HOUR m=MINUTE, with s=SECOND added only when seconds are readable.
h=9 m=48
